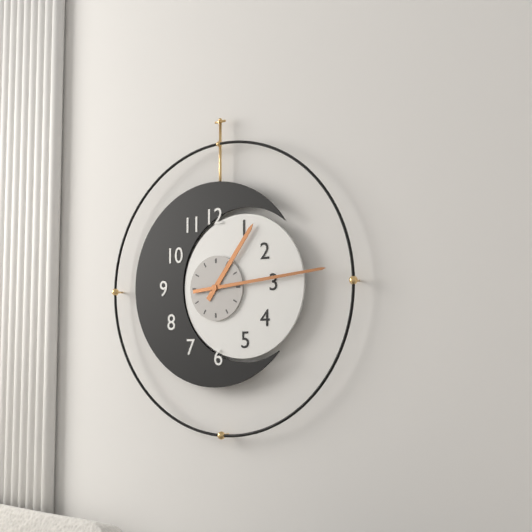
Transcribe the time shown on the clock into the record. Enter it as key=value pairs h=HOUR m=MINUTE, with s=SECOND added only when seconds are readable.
h=1 m=14
